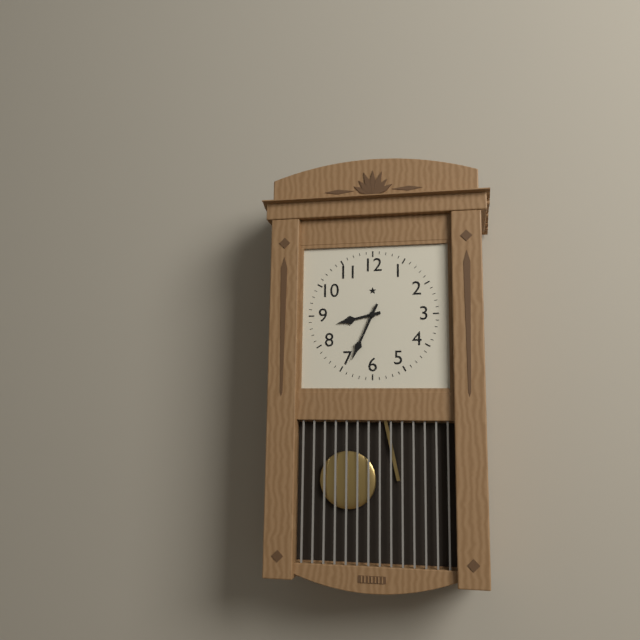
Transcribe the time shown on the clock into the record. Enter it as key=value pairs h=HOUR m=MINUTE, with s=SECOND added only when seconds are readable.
h=8 m=34
